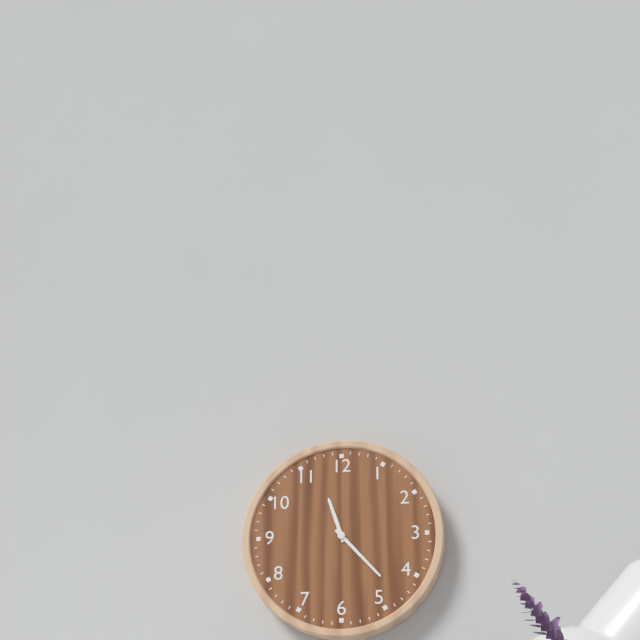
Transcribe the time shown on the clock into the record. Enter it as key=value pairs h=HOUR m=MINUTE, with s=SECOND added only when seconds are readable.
h=11 m=23
